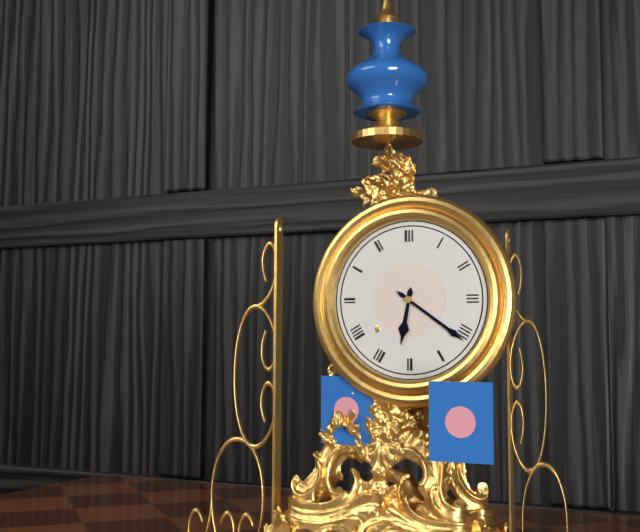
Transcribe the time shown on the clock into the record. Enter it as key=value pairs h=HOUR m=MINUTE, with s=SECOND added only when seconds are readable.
h=6 m=21
